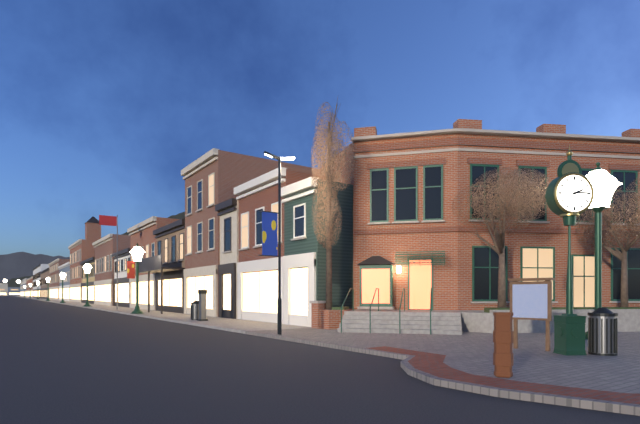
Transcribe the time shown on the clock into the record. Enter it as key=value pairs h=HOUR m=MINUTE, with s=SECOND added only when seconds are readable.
h=2 m=14
